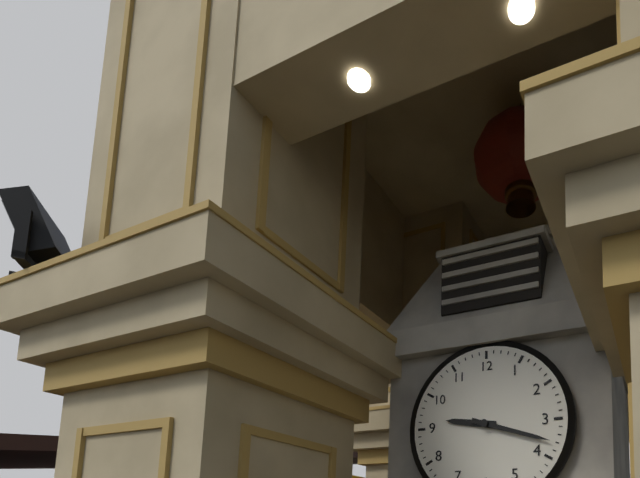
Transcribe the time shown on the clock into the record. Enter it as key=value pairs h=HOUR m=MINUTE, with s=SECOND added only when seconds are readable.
h=9 m=18
